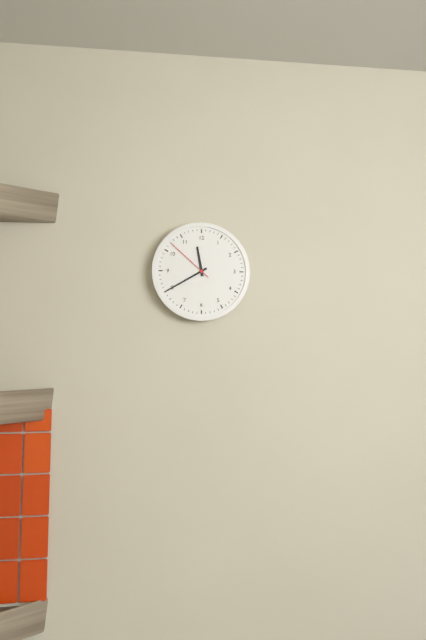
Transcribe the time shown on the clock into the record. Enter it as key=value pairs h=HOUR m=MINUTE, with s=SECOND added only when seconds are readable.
h=11 m=40 s=52
